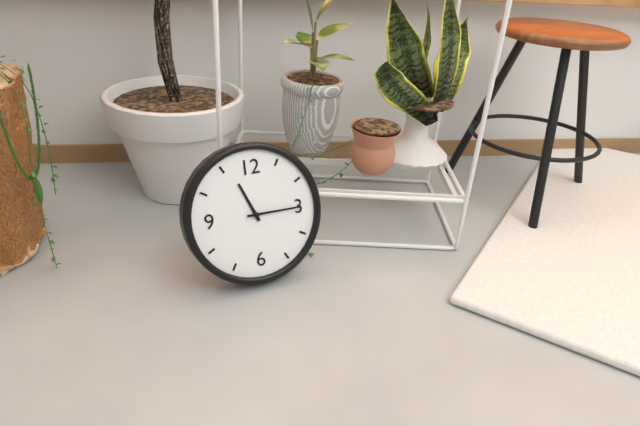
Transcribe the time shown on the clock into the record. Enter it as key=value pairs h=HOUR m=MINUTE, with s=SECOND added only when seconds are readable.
h=11 m=15
